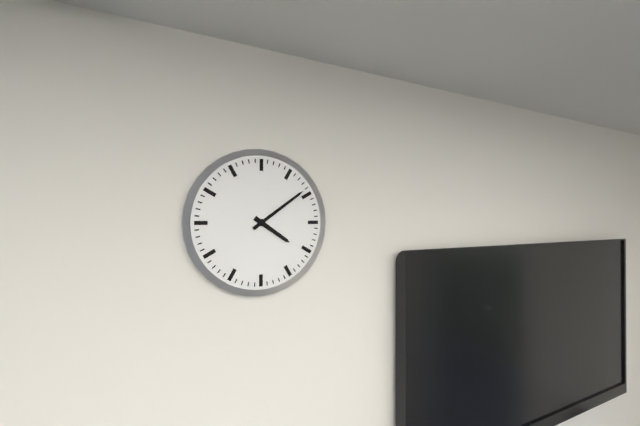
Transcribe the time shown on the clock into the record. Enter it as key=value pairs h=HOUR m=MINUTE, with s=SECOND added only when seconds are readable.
h=4 m=9
